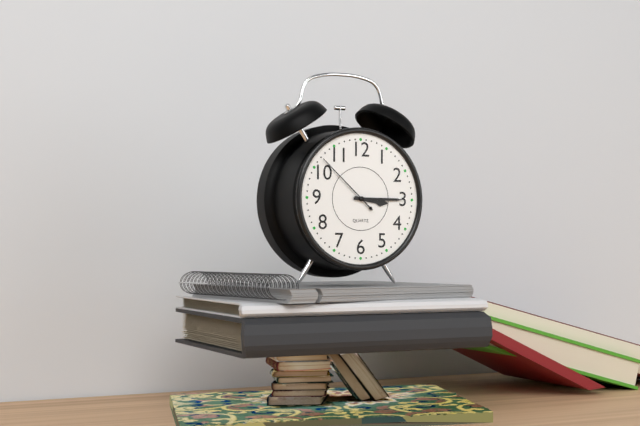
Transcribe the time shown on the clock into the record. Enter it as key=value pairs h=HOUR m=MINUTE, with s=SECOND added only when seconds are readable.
h=3 m=15 s=52
